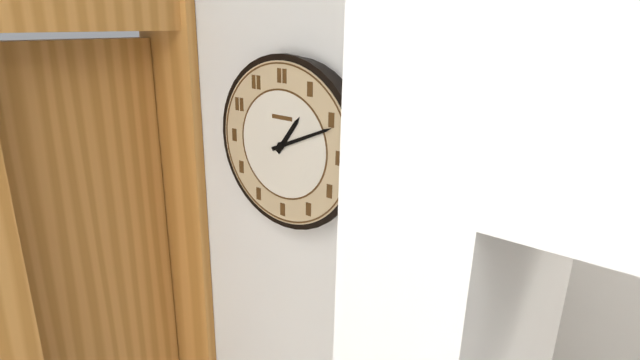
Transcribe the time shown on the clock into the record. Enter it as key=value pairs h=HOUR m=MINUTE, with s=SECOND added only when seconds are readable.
h=1 m=11
